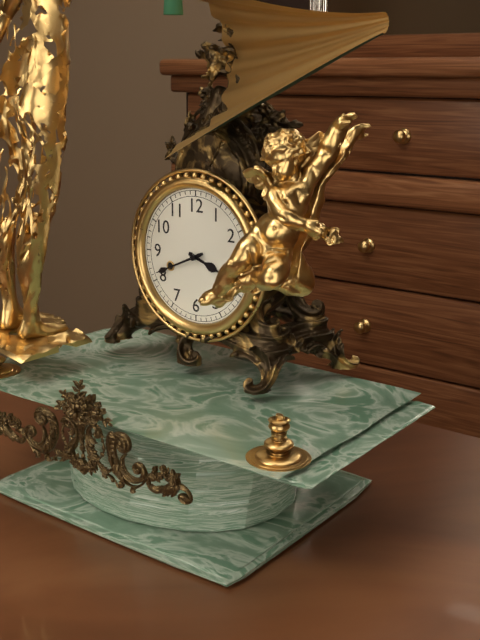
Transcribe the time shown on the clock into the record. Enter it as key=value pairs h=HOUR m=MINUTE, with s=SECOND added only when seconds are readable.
h=3 m=41
